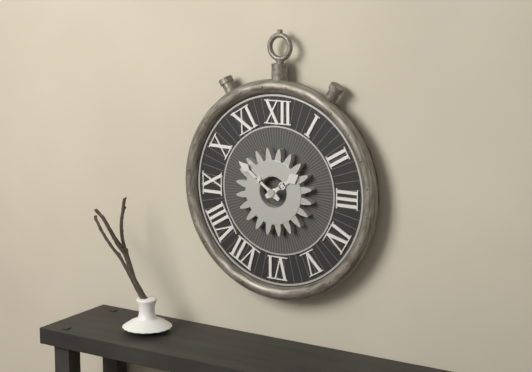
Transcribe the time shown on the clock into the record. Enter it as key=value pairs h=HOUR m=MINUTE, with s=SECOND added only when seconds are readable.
h=1 m=51
